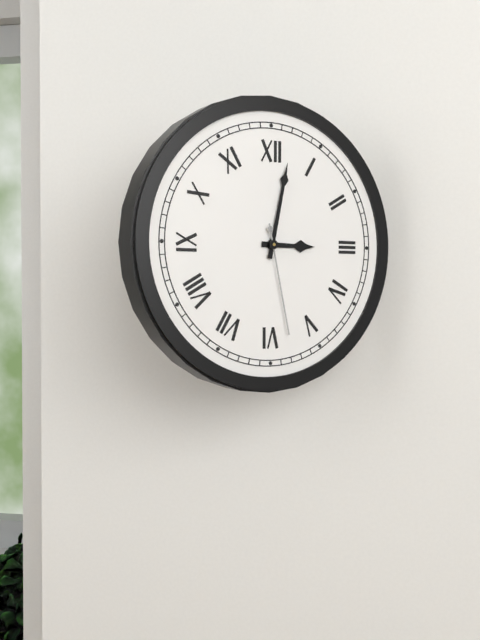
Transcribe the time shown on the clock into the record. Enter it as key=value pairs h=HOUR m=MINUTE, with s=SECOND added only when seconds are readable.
h=3 m=2 s=28
